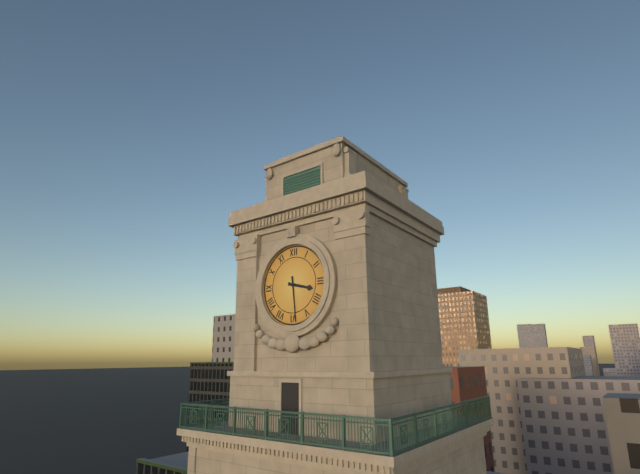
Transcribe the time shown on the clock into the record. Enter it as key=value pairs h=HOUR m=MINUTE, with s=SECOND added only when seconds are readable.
h=3 m=29
